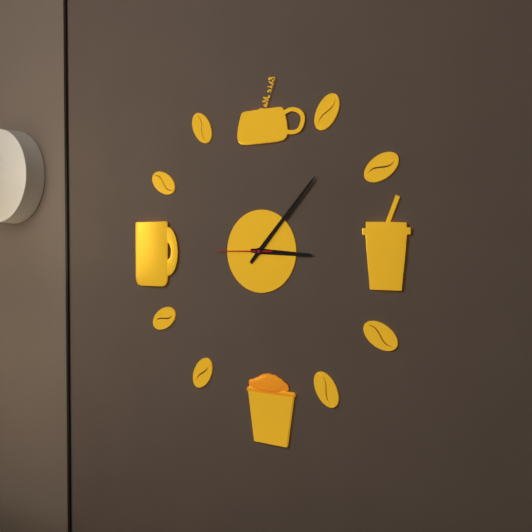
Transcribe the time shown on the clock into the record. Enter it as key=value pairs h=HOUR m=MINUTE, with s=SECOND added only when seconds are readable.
h=3 m=7 s=45
